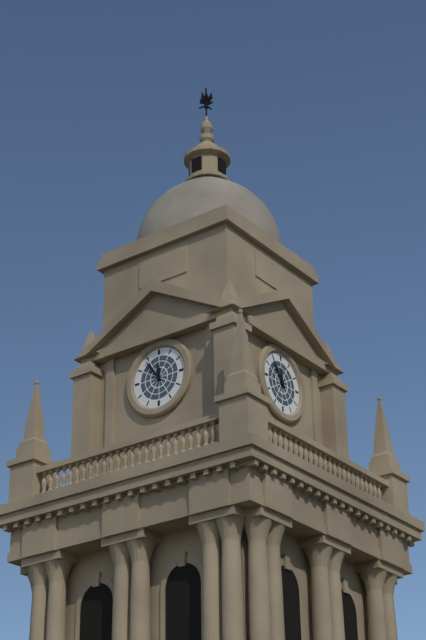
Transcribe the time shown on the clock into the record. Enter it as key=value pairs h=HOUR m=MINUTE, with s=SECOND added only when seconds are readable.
h=11 m=54
